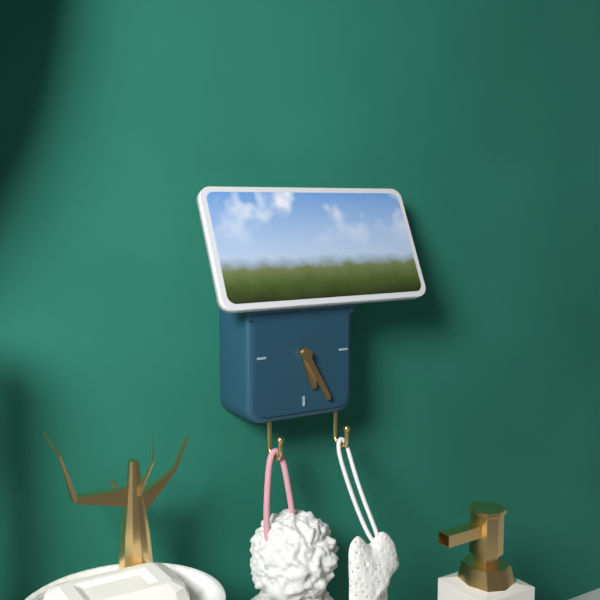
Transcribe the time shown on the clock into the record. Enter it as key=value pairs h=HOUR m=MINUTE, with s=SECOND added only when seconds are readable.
h=5 m=25
